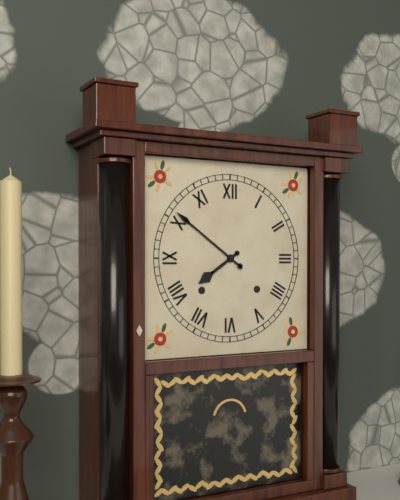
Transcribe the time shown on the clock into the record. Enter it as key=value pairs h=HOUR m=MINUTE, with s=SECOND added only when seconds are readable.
h=7 m=51
